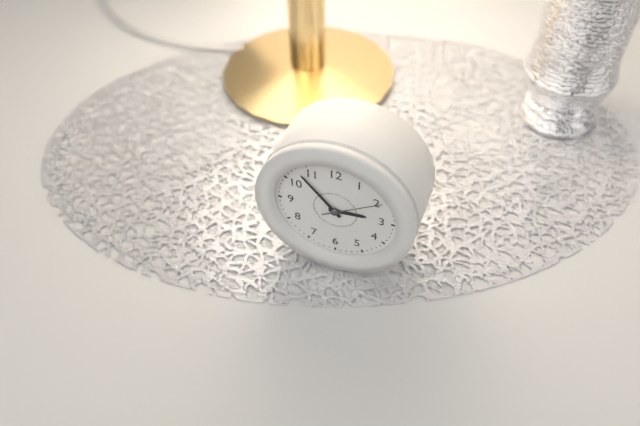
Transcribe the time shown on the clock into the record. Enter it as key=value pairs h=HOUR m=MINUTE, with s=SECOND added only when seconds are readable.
h=2 m=53 s=10
